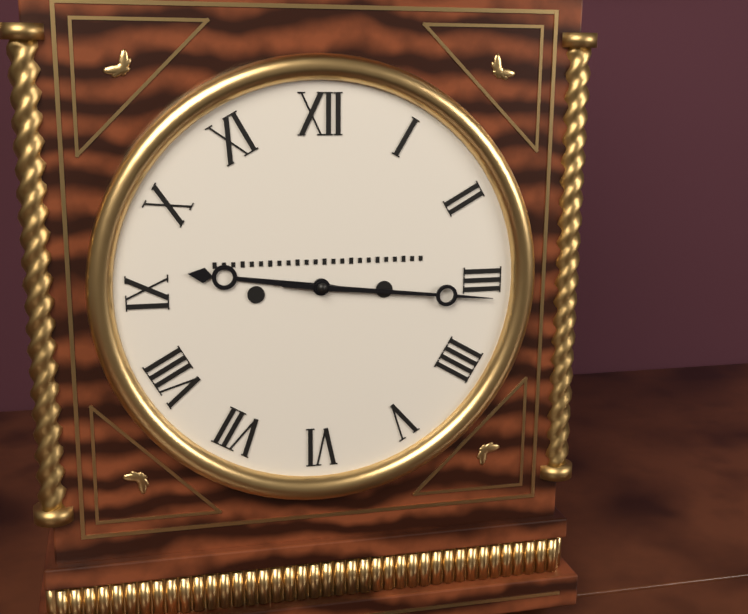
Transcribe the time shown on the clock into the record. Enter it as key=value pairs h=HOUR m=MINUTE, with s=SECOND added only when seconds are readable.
h=9 m=16
